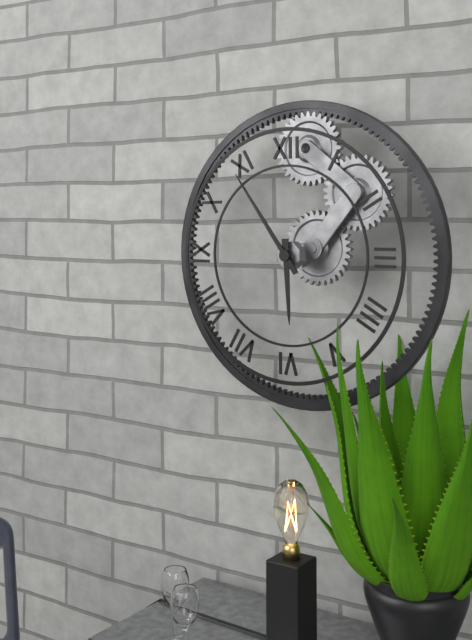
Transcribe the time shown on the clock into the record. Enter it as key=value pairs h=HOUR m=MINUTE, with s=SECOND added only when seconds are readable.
h=5 m=54
